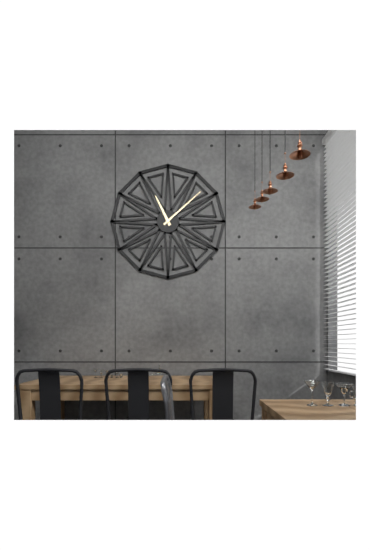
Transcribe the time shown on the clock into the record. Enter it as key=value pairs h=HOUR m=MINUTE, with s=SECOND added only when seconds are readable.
h=11 m=8
